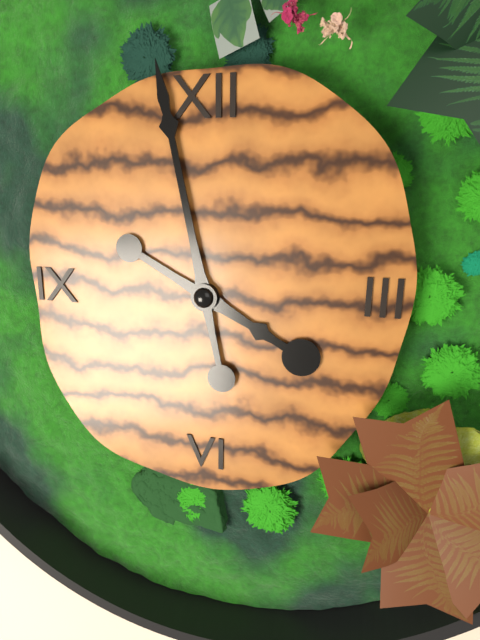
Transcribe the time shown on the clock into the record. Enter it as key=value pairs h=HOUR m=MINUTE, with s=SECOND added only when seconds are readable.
h=3 m=58
